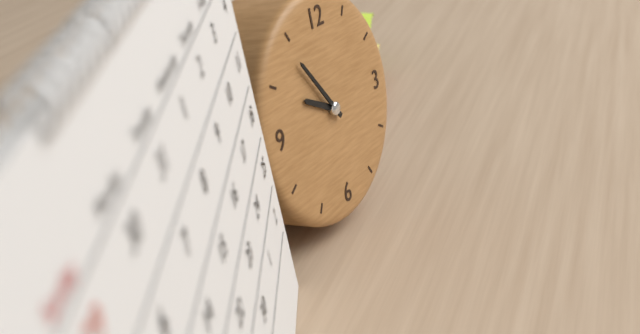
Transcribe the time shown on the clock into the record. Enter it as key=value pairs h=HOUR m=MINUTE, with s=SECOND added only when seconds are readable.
h=9 m=54
